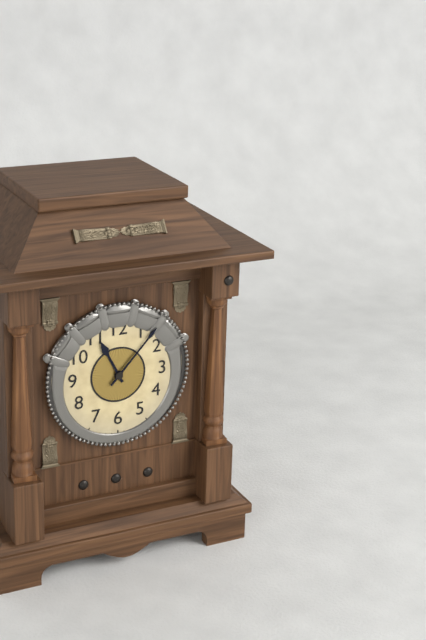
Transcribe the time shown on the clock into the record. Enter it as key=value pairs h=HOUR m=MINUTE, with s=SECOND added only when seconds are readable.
h=11 m=7
